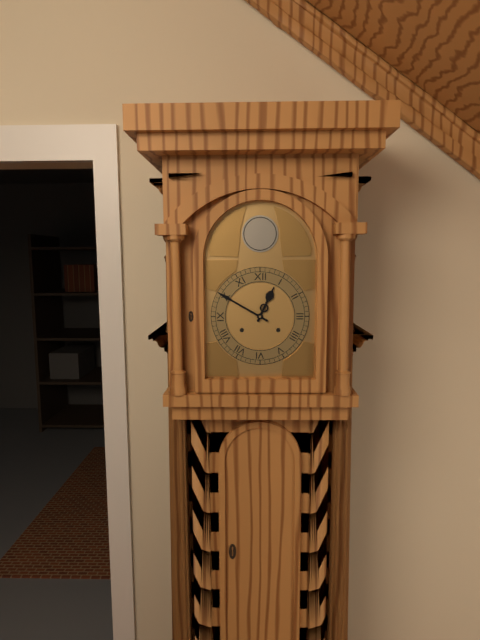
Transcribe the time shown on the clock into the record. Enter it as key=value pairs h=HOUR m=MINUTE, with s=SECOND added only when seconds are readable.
h=12 m=50
